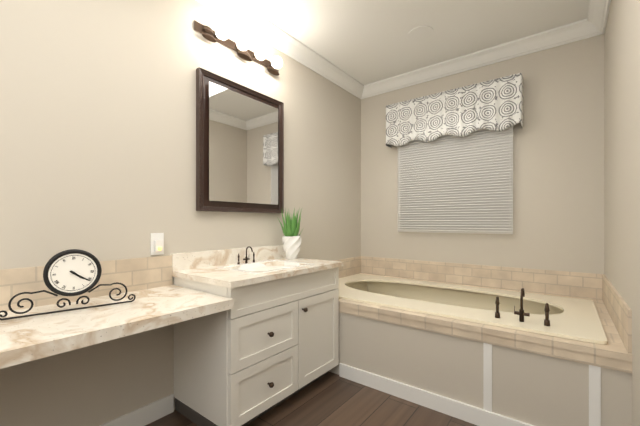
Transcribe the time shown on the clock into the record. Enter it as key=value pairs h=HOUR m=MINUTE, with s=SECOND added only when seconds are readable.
h=4 m=21
